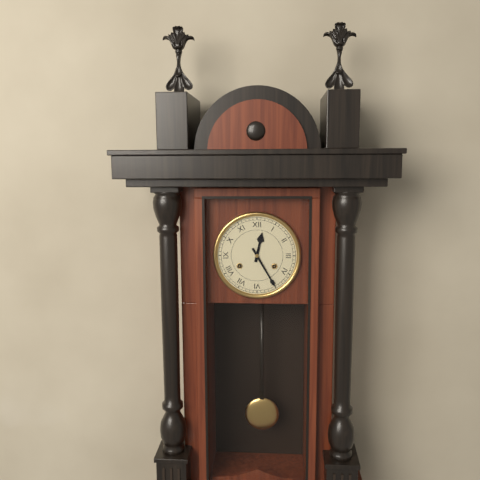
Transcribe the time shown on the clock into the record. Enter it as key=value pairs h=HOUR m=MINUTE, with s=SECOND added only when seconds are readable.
h=12 m=25
